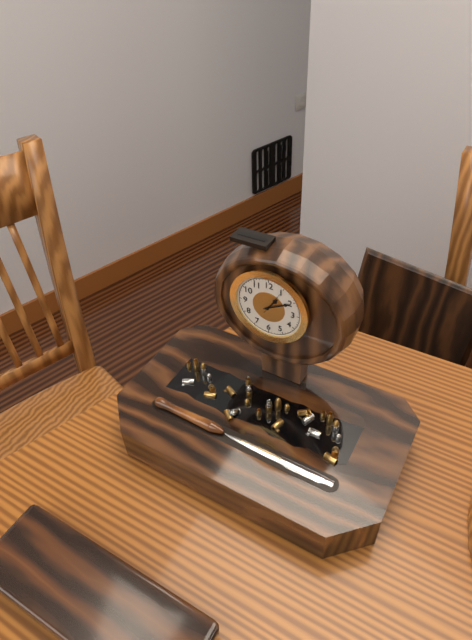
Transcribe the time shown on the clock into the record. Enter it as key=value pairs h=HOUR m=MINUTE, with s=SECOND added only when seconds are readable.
h=1 m=10
